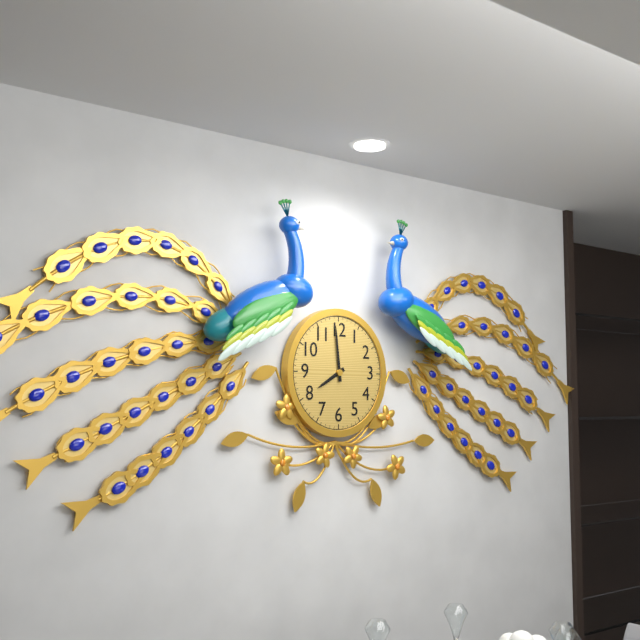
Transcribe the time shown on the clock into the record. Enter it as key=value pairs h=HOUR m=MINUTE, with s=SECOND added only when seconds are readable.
h=7 m=59
